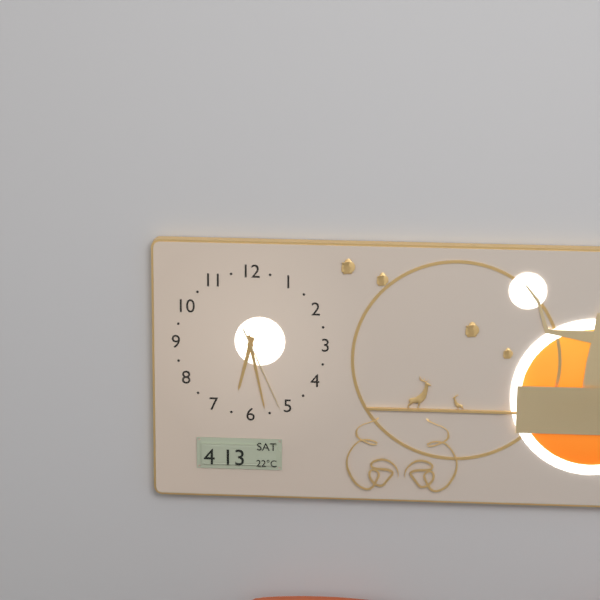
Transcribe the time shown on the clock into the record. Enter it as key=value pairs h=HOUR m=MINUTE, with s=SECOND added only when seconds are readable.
h=6 m=28 s=26
